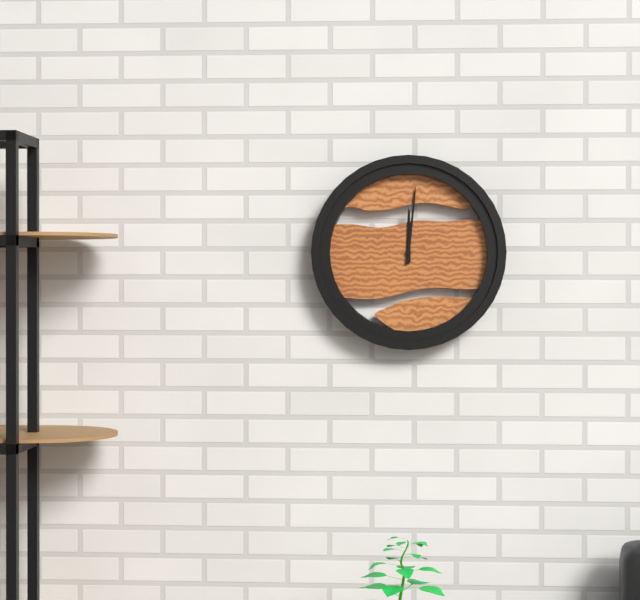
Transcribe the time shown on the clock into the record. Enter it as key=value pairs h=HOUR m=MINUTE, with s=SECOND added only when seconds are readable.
h=12 m=1
